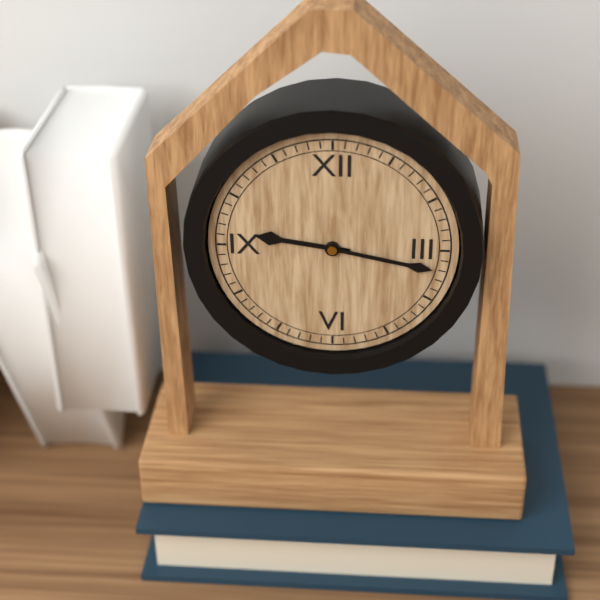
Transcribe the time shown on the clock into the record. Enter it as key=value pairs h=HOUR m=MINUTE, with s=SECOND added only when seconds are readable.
h=9 m=17
